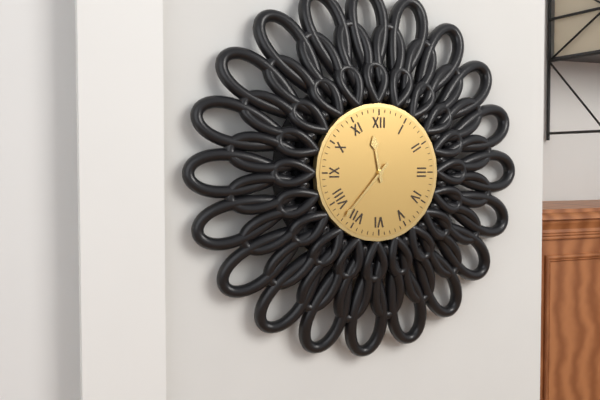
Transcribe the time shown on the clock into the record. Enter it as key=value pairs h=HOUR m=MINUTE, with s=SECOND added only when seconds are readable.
h=11 m=37
